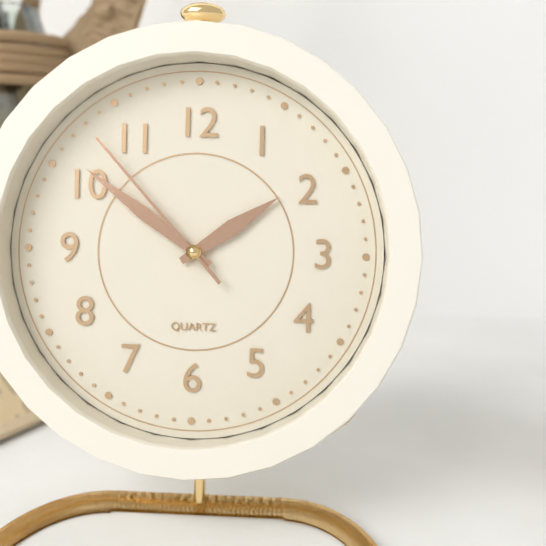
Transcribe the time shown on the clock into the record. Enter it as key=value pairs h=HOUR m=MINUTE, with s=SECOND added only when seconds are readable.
h=1 m=51 s=53
